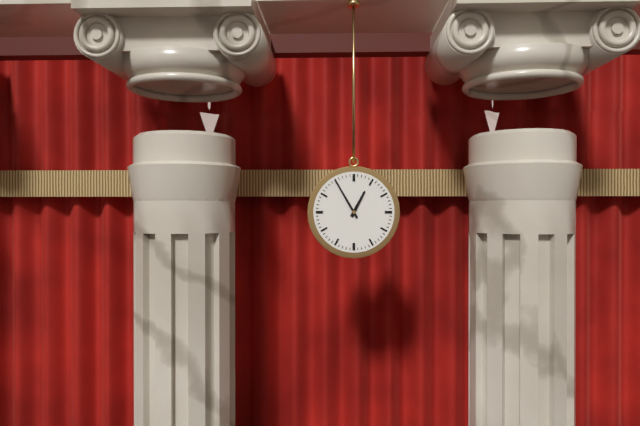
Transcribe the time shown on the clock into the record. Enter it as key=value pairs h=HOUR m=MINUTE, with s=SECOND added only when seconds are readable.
h=12 m=55
